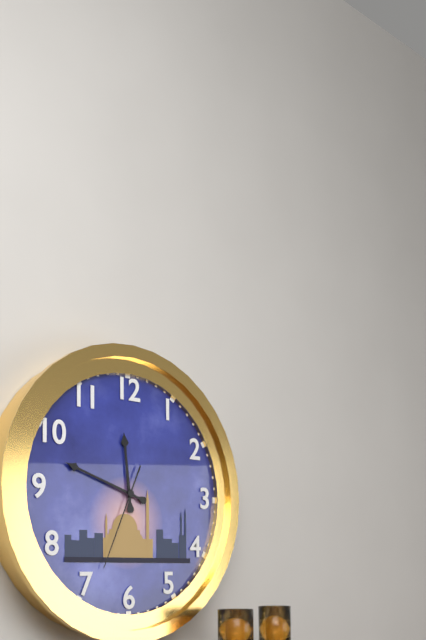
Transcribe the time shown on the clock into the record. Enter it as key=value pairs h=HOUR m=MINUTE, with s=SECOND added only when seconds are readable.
h=11 m=48 s=34
